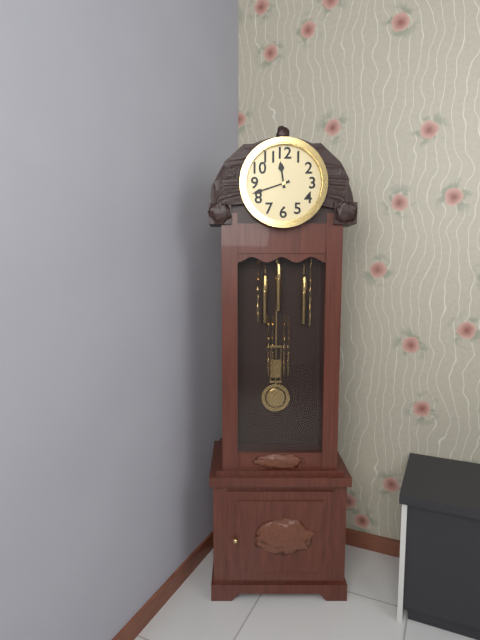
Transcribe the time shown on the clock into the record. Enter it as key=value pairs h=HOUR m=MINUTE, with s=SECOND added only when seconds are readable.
h=11 m=42
